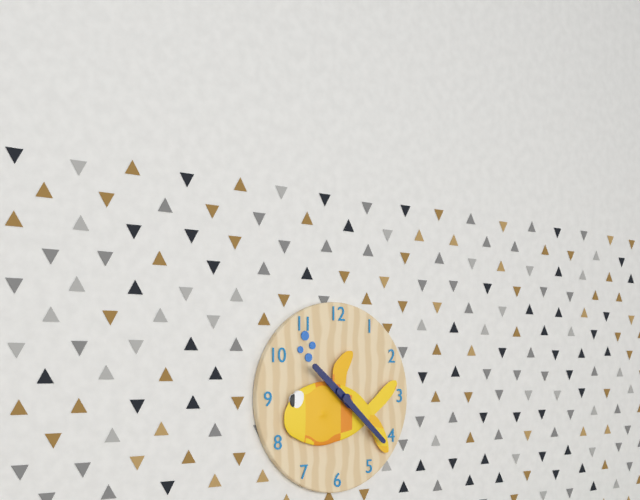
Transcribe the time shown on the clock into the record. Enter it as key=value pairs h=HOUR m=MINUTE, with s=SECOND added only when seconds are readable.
h=10 m=22
